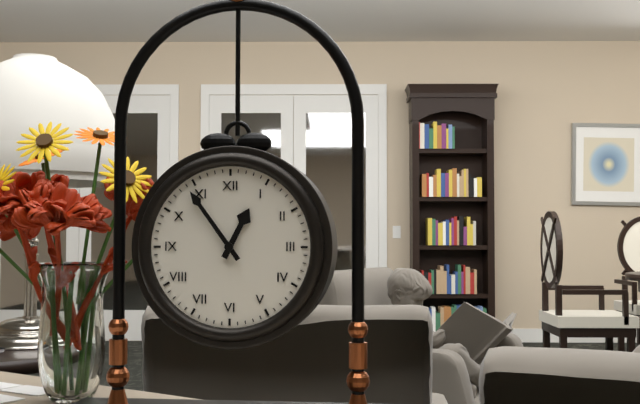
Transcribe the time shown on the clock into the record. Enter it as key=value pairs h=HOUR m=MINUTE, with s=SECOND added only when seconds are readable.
h=12 m=54
